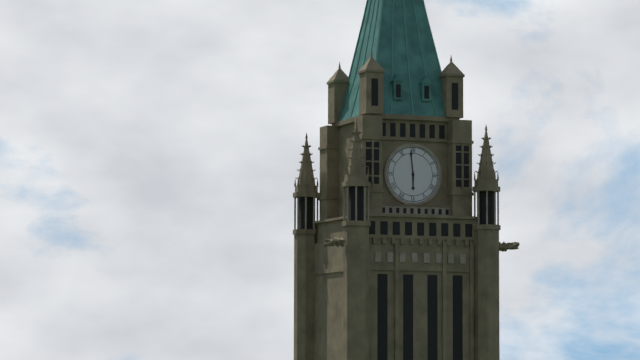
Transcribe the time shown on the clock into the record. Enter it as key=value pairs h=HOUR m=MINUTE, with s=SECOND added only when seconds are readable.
h=5 m=59
